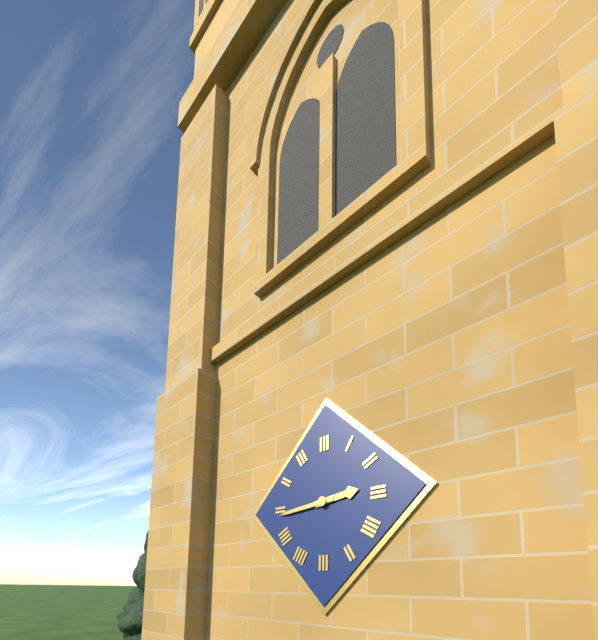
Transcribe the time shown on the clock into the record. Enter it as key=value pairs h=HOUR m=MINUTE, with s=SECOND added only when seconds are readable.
h=2 m=44
